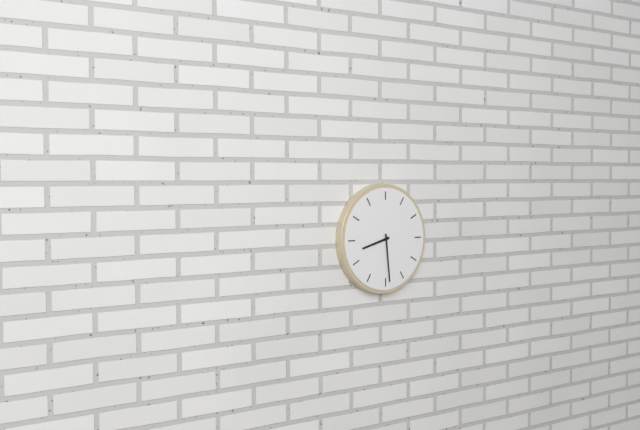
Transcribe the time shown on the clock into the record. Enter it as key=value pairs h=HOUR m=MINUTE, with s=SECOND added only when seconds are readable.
h=8 m=29
